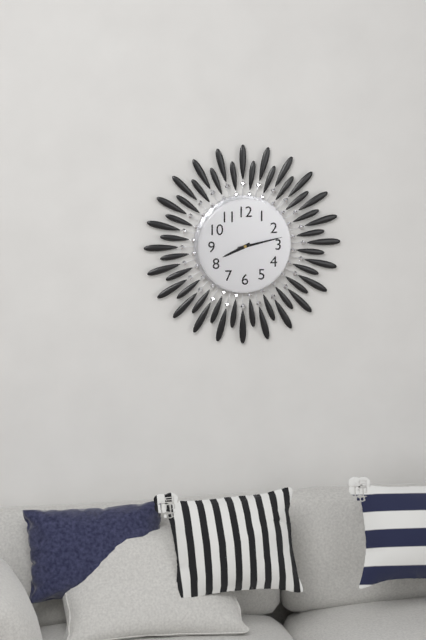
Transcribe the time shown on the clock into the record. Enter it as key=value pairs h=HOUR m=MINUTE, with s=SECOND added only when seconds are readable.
h=8 m=13
